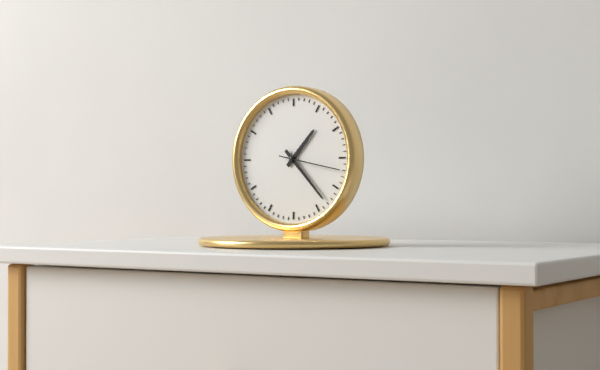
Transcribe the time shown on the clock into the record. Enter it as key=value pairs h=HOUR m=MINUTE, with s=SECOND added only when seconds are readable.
h=1 m=23 s=17
